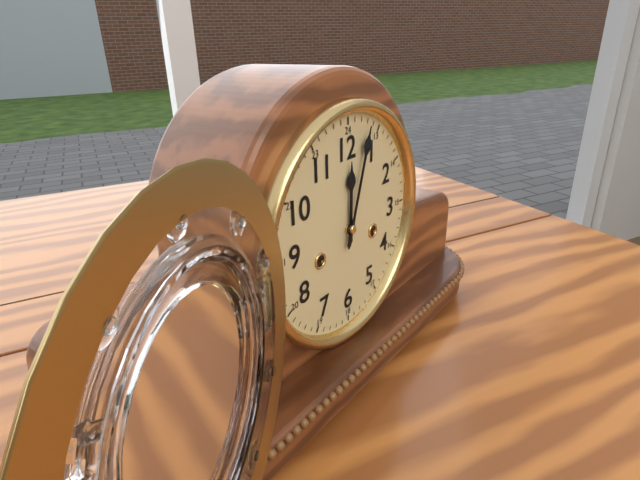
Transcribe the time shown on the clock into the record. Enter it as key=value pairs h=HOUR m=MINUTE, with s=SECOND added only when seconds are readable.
h=12 m=3
